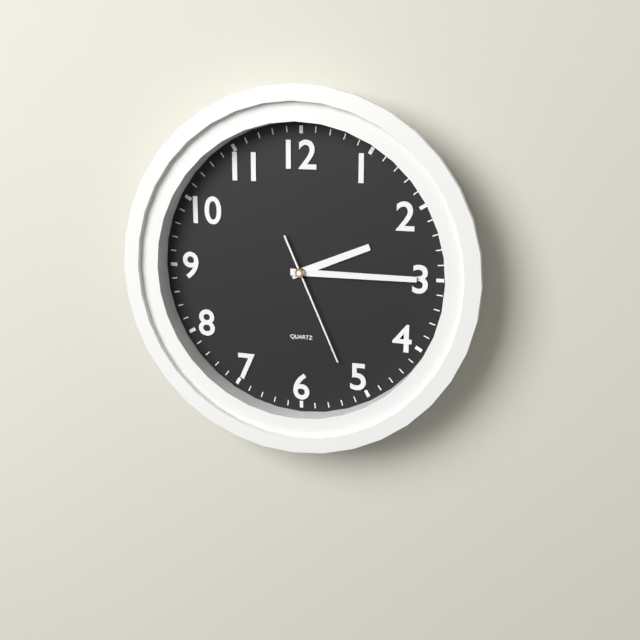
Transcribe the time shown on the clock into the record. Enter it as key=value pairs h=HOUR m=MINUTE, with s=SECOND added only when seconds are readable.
h=2 m=15 s=26
